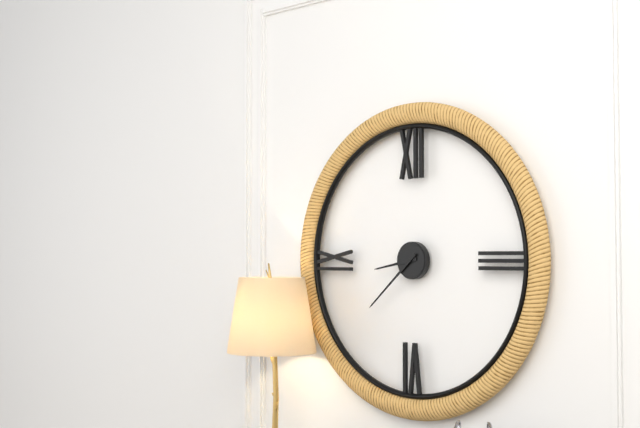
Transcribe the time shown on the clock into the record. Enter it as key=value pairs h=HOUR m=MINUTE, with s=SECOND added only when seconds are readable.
h=8 m=38
